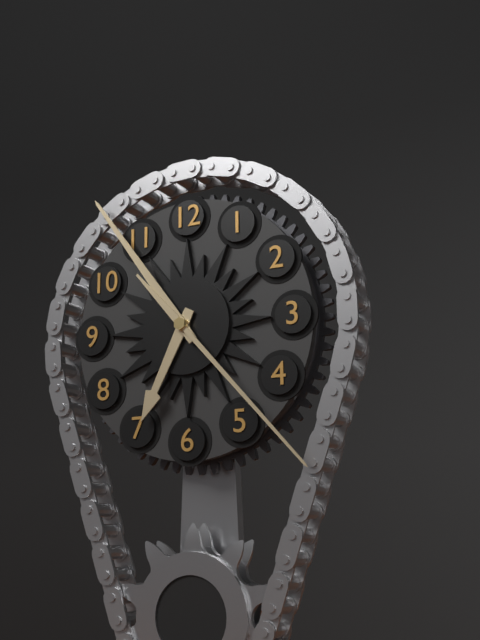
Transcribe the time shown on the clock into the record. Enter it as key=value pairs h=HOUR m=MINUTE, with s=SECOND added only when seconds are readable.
h=6 m=54 s=23
